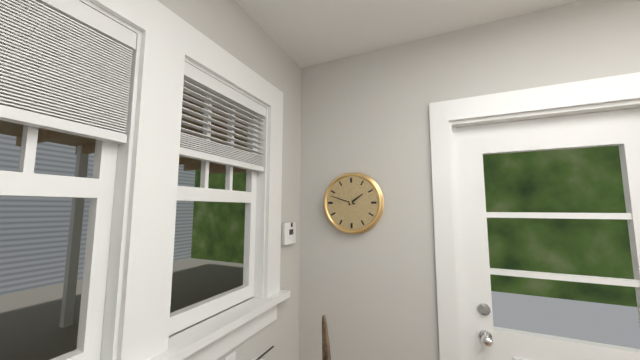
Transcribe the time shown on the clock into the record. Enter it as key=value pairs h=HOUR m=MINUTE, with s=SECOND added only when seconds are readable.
h=1 m=48
